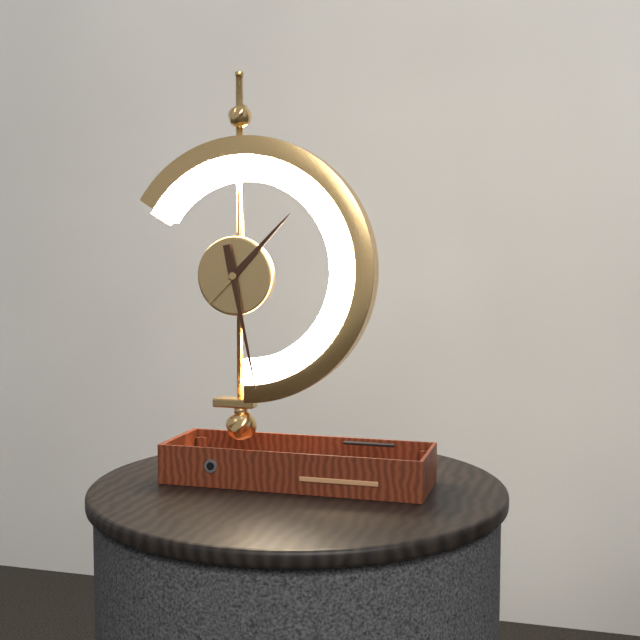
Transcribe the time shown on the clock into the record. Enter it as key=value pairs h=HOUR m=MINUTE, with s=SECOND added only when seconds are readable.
h=1 m=28
